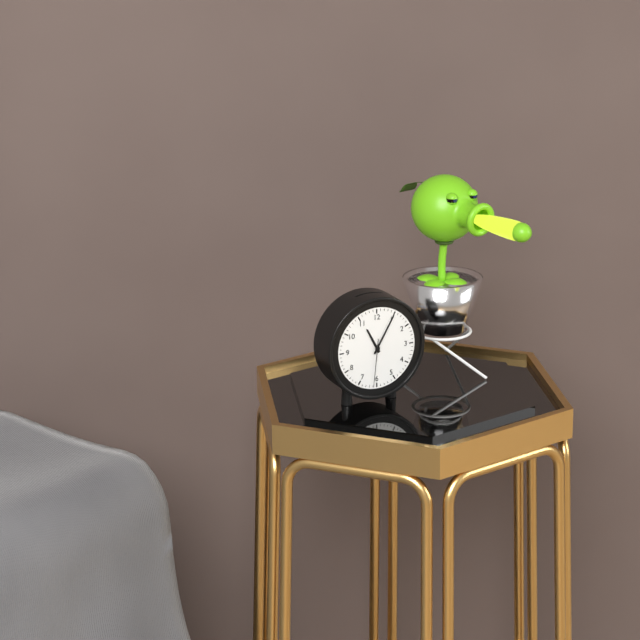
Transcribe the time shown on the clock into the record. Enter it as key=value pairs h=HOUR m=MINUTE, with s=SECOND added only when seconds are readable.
h=11 m=5
